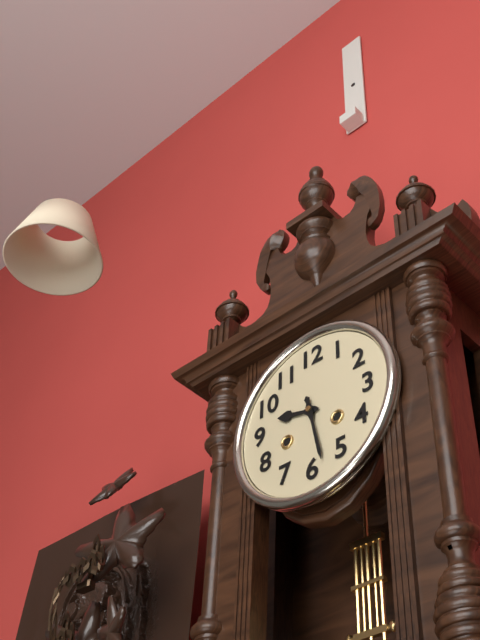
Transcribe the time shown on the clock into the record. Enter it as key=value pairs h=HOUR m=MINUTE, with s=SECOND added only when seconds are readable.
h=9 m=28
